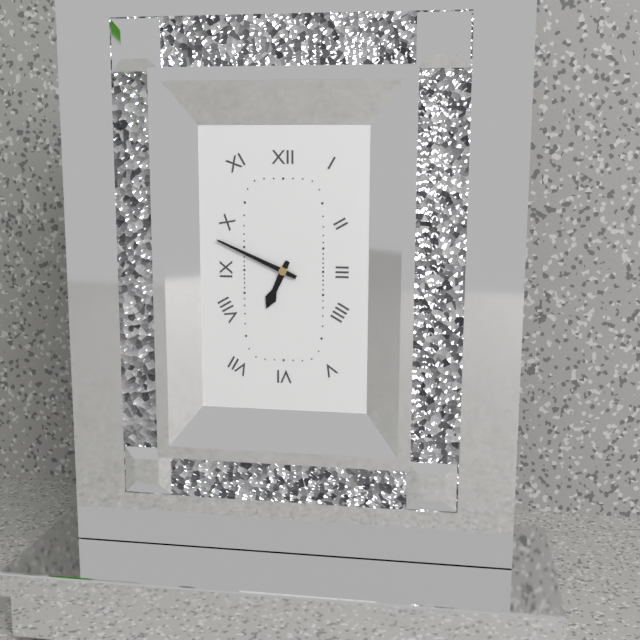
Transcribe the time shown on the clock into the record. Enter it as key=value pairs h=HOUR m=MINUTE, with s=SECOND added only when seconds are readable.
h=6 m=49
